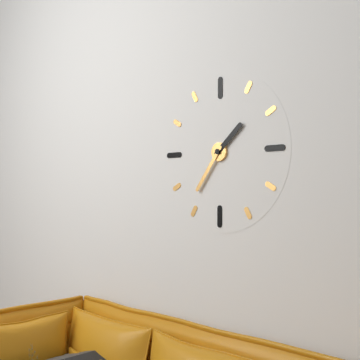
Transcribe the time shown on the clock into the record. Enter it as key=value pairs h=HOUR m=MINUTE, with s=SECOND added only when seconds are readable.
h=1 m=36
